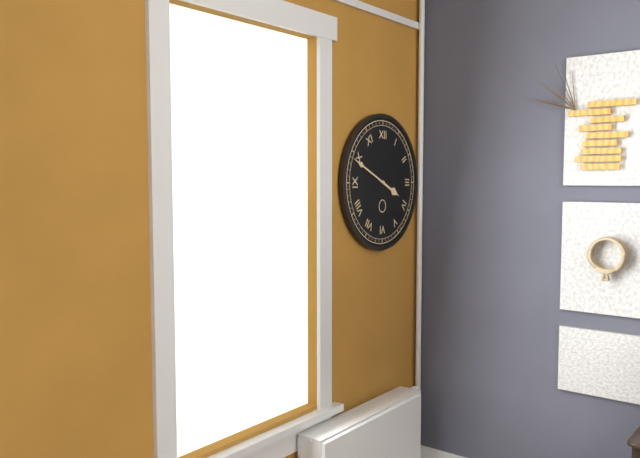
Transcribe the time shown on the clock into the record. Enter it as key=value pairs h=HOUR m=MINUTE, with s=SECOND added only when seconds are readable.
h=3 m=49
